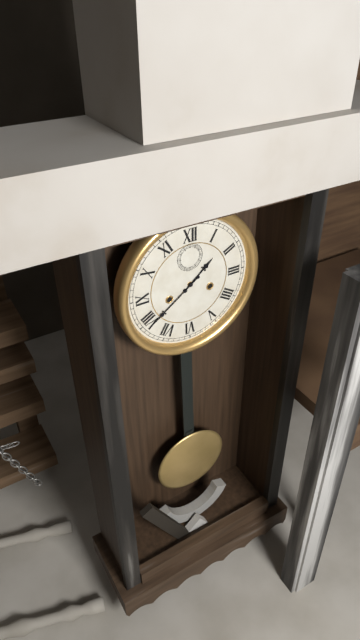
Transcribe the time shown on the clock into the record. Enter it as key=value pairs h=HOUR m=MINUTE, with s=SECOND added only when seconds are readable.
h=1 m=39
